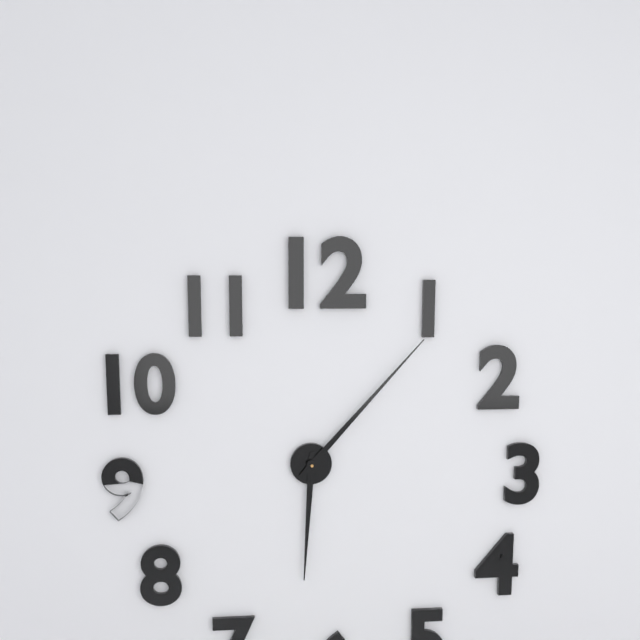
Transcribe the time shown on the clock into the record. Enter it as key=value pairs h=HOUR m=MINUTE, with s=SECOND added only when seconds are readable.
h=6 m=7
